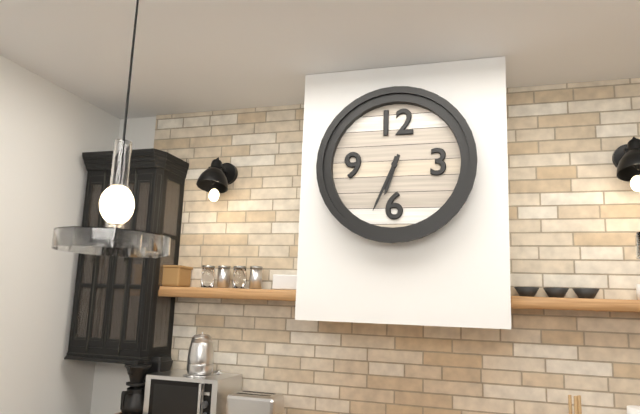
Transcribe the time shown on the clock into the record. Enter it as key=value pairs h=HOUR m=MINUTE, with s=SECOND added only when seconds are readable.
h=6 m=34
